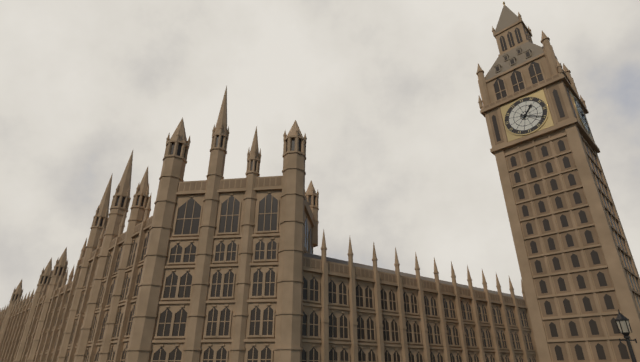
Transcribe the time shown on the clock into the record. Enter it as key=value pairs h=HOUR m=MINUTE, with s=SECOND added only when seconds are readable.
h=1 m=20
